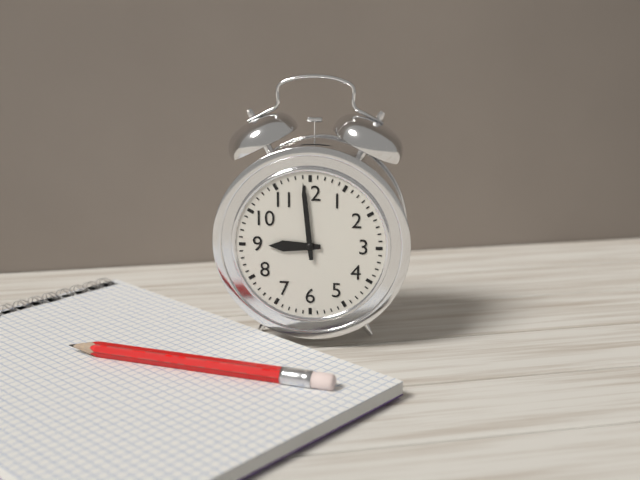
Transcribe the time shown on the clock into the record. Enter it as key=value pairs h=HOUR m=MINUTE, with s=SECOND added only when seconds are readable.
h=8 m=59
